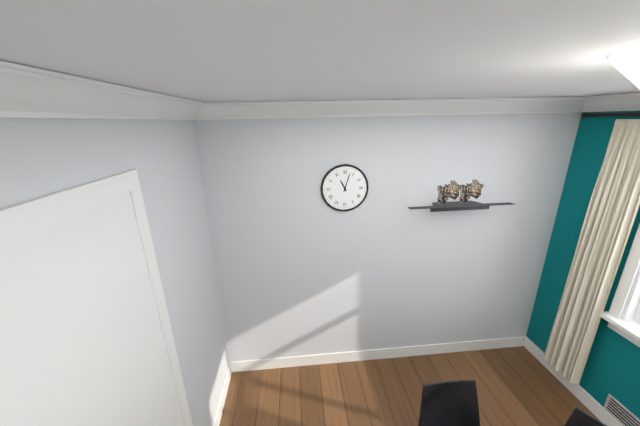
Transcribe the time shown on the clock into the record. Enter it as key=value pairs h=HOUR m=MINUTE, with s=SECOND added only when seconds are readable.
h=11 m=3
